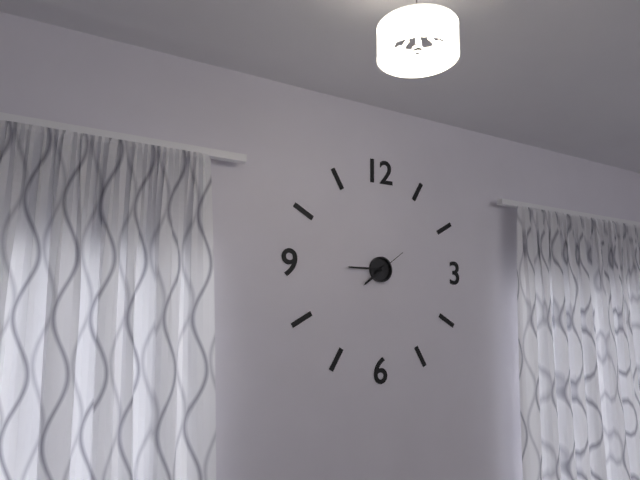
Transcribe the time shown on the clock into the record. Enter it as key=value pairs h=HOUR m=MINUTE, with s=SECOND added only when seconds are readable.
h=7 m=45
